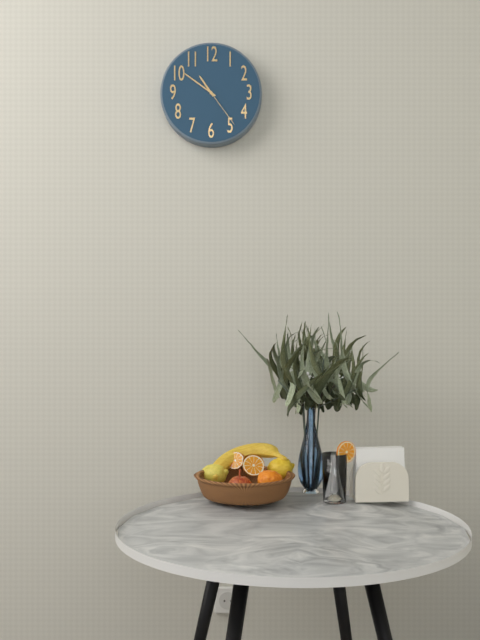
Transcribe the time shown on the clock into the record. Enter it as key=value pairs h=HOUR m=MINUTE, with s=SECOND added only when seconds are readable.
h=10 m=51 s=24
